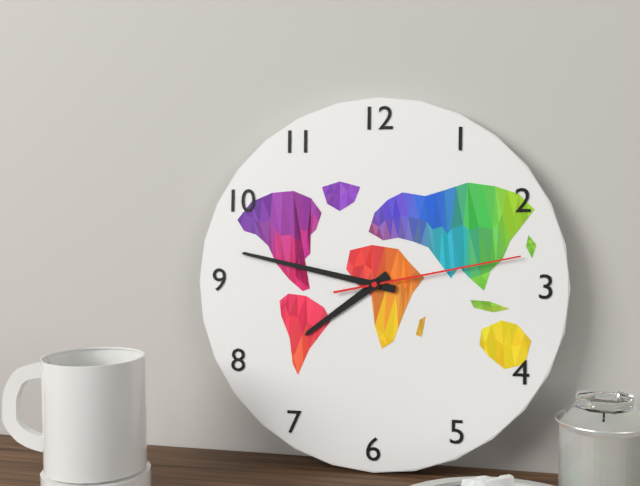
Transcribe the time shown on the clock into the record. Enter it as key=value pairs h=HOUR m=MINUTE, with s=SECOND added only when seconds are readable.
h=7 m=47 s=13
